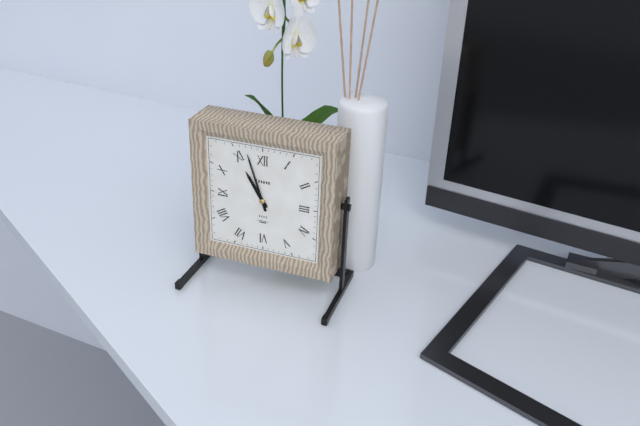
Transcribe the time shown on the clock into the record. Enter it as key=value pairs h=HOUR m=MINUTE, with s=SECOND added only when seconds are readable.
h=10 m=57
